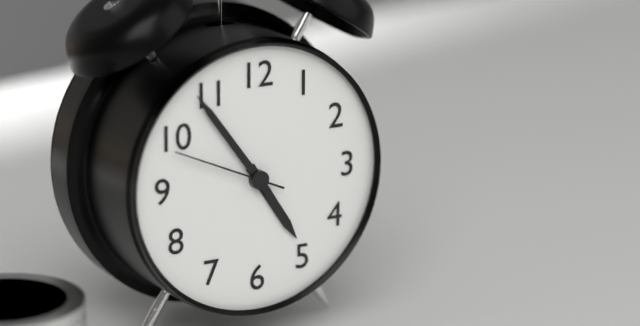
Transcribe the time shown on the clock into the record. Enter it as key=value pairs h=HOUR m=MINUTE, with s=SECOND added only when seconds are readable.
h=4 m=54 s=49
